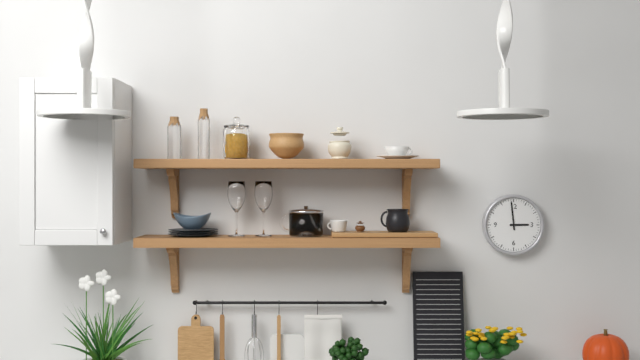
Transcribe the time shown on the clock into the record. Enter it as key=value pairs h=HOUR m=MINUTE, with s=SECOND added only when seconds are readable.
h=2 m=59
